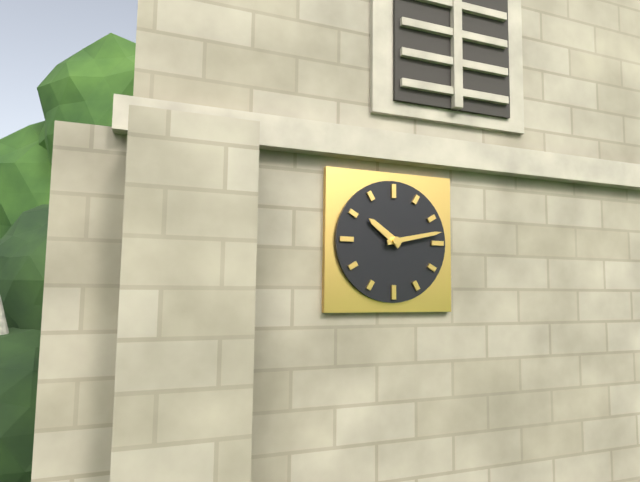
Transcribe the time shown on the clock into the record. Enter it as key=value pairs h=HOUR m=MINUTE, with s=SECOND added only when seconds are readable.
h=10 m=13
